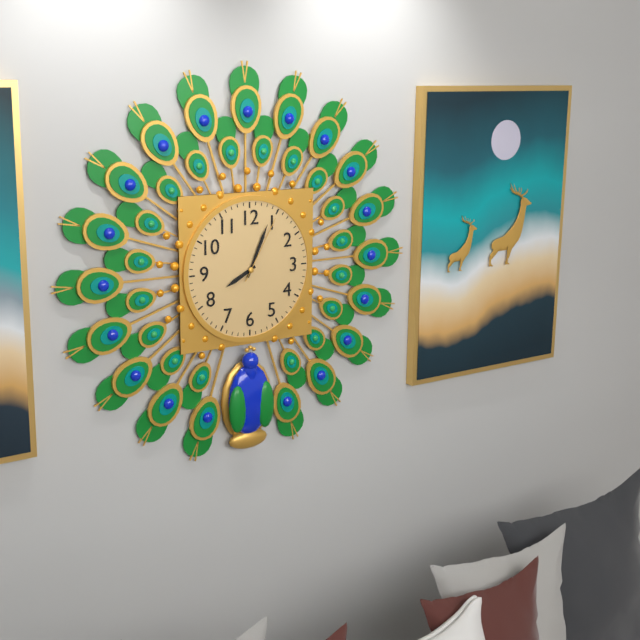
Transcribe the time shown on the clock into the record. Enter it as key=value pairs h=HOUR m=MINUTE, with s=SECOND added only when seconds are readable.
h=8 m=4 s=5
